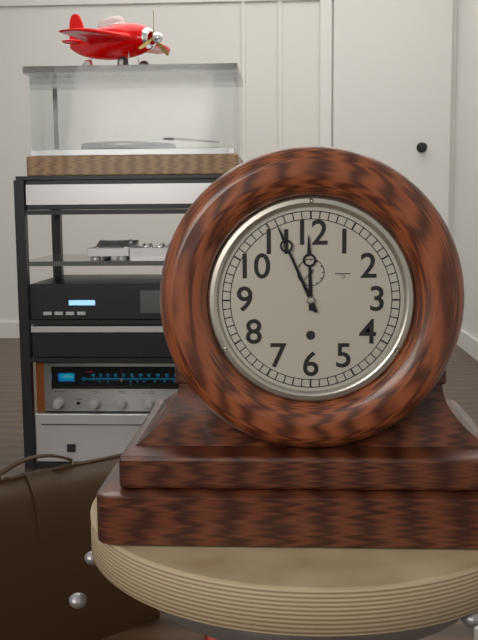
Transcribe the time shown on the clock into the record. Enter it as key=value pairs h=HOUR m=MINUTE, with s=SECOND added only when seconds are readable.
h=11 m=56
